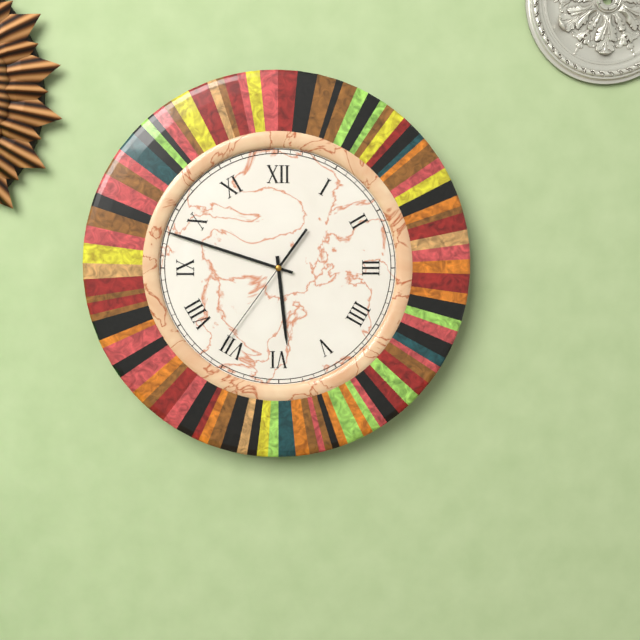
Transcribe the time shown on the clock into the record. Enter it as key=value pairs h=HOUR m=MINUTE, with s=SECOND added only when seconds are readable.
h=5 m=48 s=36
